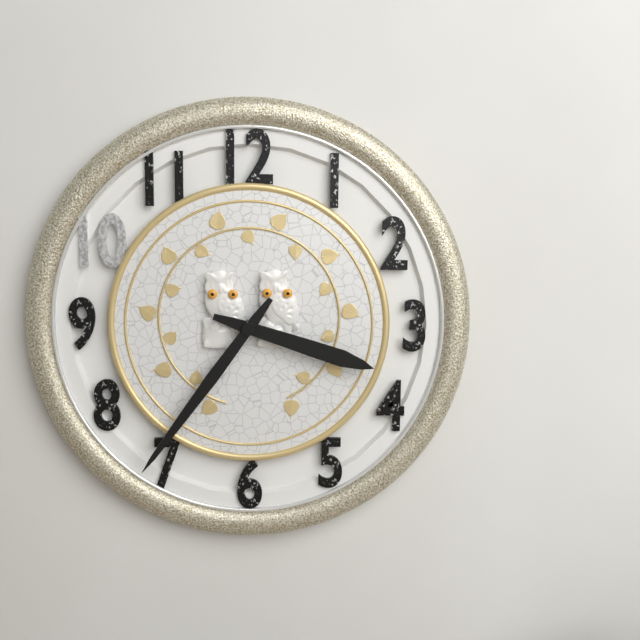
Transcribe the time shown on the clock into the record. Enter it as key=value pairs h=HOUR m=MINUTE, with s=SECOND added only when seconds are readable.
h=3 m=36
